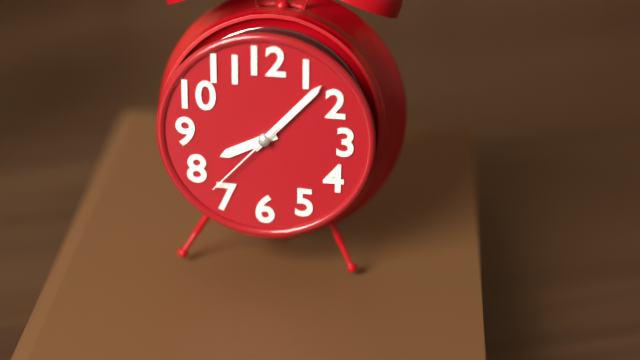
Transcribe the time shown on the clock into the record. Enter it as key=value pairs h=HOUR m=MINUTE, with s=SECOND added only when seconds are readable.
h=8 m=7 s=37
